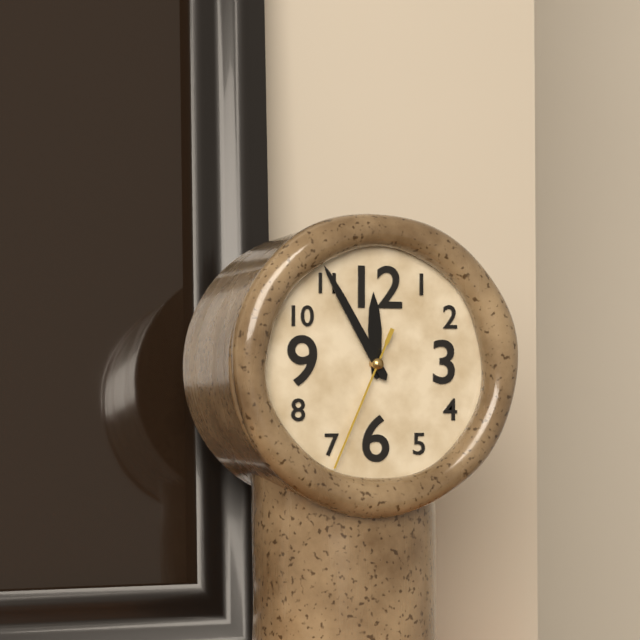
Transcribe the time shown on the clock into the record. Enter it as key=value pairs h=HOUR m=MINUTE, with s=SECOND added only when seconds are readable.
h=11 m=55 s=34
